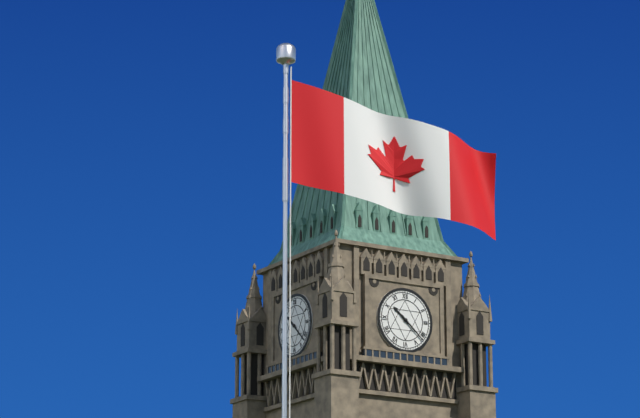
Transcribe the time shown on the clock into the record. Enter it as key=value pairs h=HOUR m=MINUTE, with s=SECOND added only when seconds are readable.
h=10 m=22
